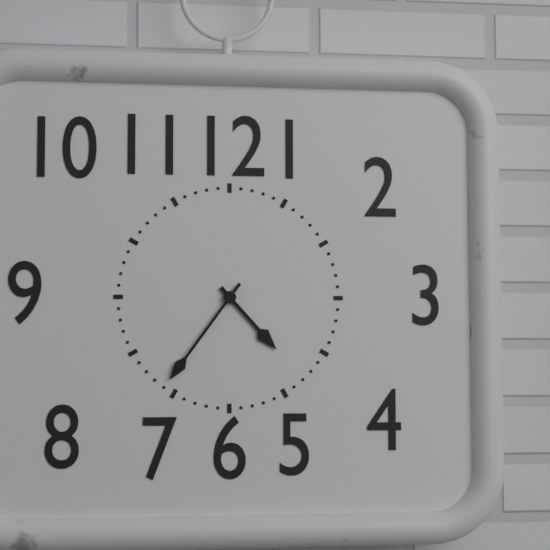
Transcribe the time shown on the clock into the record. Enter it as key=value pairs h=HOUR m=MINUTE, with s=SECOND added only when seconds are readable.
h=4 m=36
